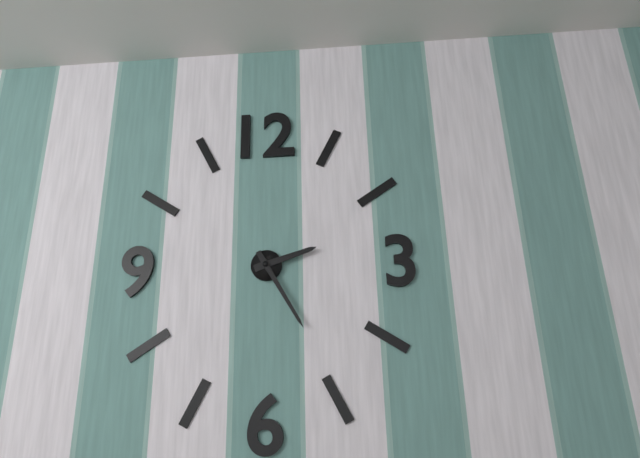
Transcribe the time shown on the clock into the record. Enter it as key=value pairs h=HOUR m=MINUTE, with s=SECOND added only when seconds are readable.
h=2 m=25
